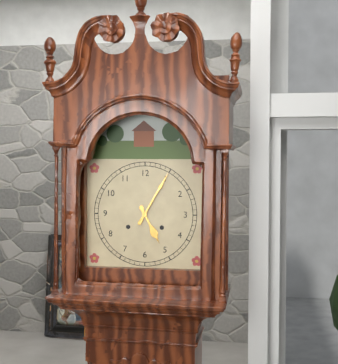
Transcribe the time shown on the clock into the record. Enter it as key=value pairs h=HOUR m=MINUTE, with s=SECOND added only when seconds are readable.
h=5 m=5
